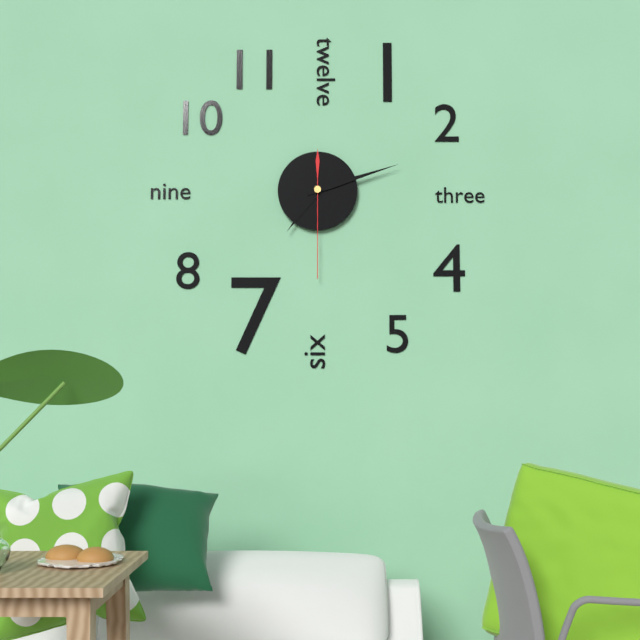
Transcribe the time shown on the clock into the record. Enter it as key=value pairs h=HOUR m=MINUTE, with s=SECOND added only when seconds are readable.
h=7 m=12 s=30
